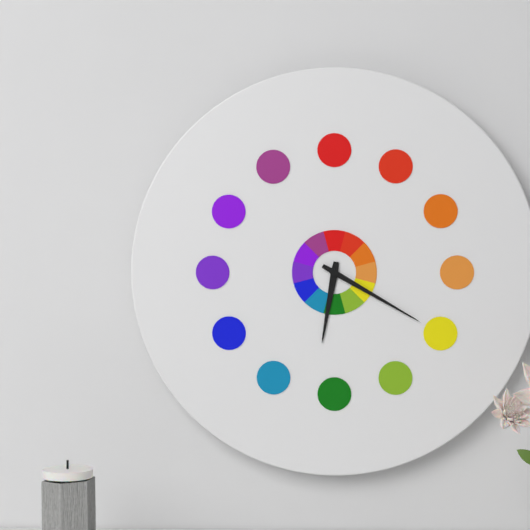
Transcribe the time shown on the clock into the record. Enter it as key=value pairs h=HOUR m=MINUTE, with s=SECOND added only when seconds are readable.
h=6 m=20
